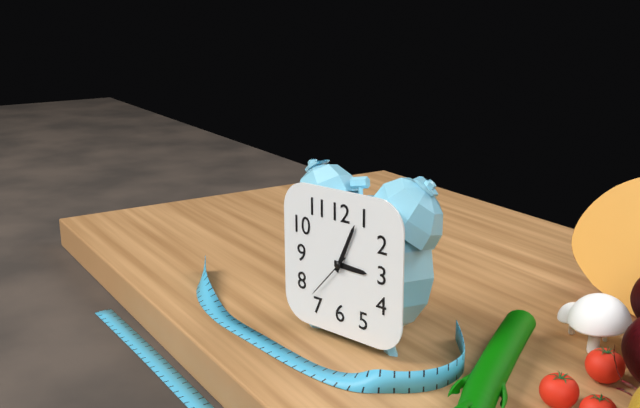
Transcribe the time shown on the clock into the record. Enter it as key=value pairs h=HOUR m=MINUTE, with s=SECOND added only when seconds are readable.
h=3 m=4
